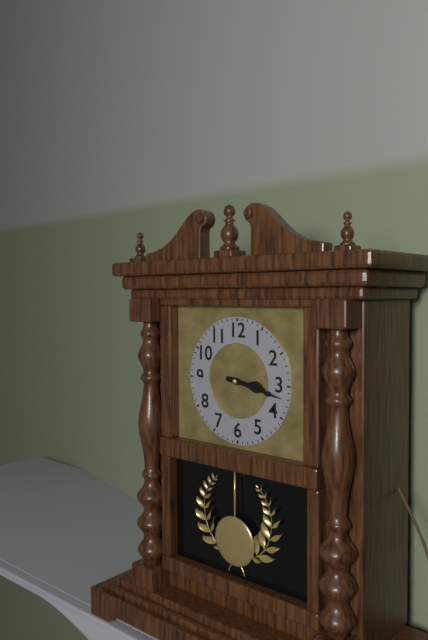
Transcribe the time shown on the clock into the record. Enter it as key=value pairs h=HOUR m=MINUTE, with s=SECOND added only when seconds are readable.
h=3 m=17
